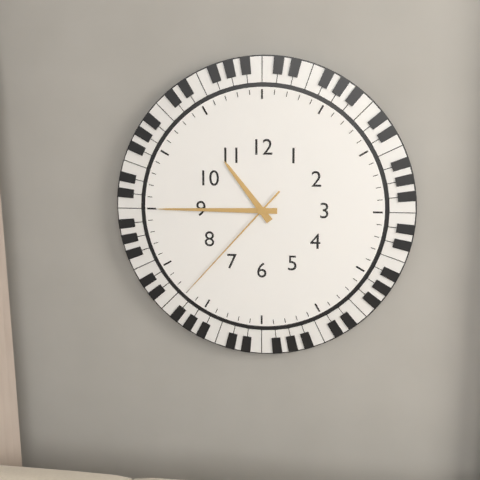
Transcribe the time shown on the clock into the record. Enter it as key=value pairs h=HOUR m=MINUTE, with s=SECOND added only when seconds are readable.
h=10 m=45 s=37
